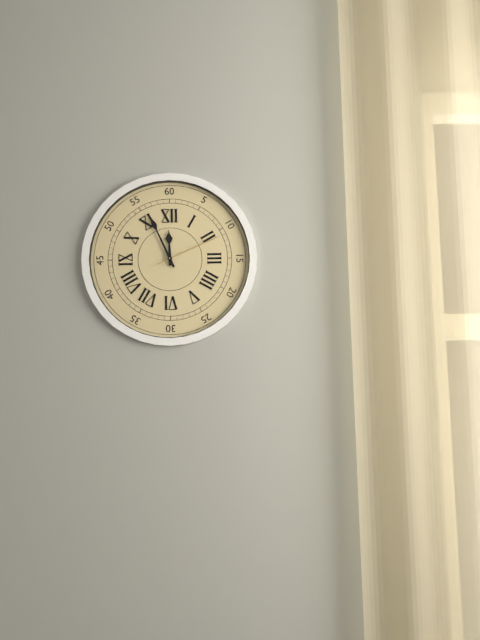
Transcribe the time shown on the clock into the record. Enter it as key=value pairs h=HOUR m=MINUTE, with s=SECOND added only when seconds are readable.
h=11 m=56 s=11
